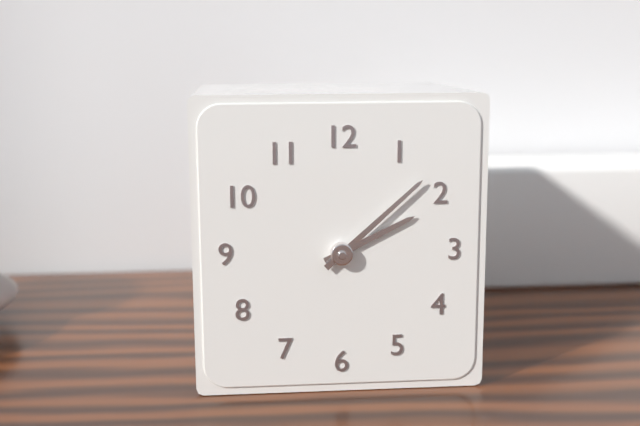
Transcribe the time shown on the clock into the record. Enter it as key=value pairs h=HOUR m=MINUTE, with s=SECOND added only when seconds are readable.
h=2 m=8
